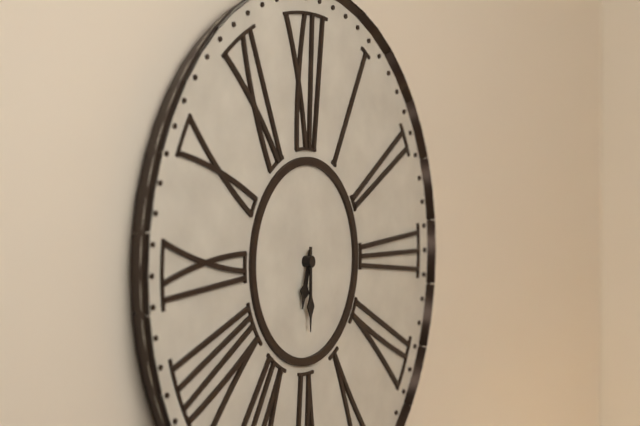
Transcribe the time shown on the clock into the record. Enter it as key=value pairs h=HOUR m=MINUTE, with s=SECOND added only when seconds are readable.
h=6 m=30
